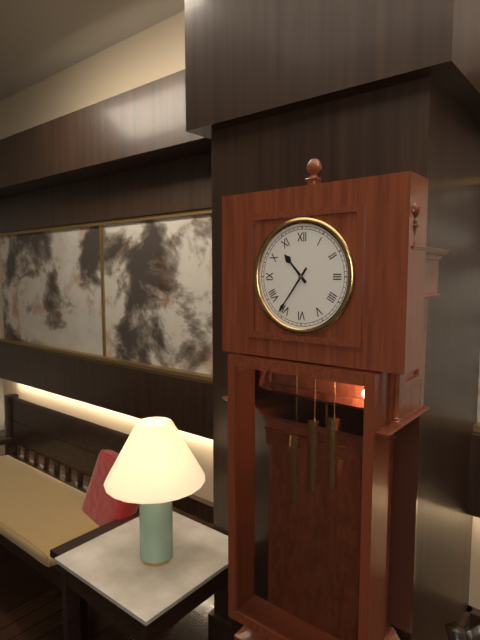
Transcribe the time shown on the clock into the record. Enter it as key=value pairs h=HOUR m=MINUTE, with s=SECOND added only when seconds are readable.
h=10 m=36
